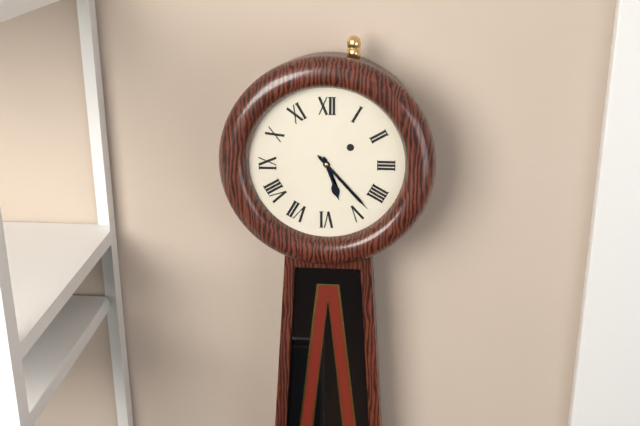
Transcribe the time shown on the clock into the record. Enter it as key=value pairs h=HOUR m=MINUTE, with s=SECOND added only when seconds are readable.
h=5 m=23
